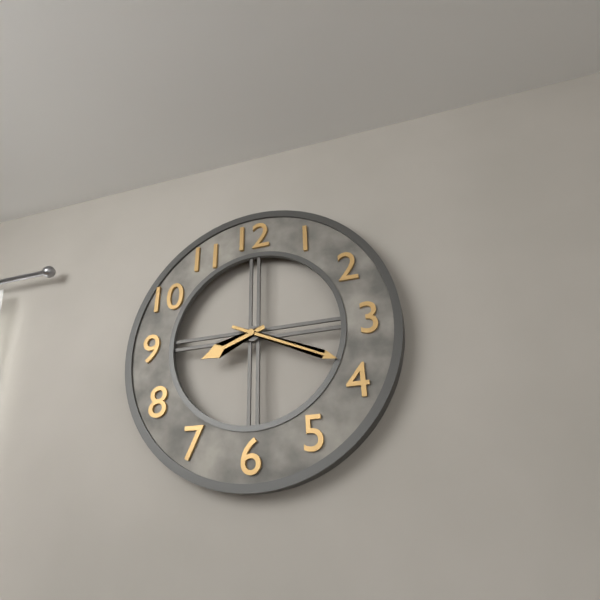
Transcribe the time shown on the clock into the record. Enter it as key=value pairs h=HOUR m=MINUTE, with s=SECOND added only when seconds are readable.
h=8 m=19
